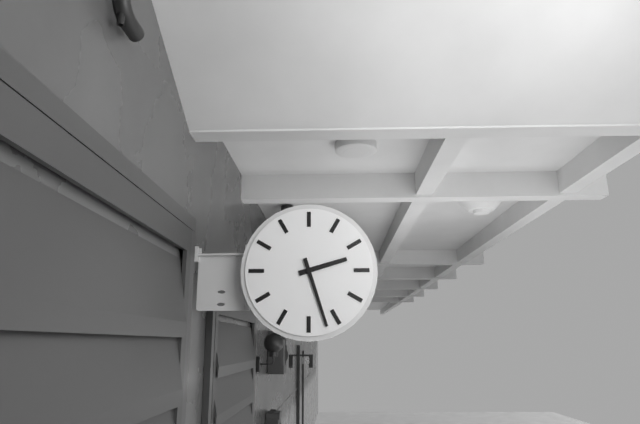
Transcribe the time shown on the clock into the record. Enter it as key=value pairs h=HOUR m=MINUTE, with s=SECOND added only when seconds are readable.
h=2 m=27
